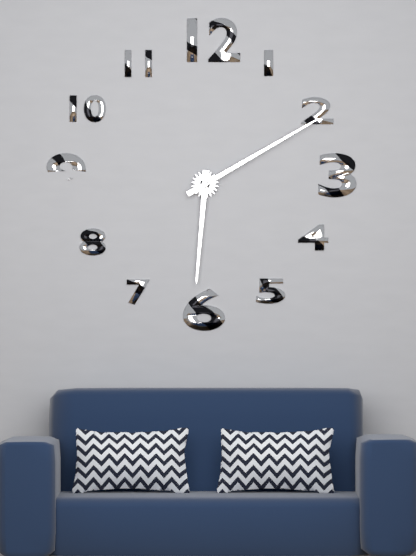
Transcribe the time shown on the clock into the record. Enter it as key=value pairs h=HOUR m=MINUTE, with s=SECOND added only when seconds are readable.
h=6 m=10
